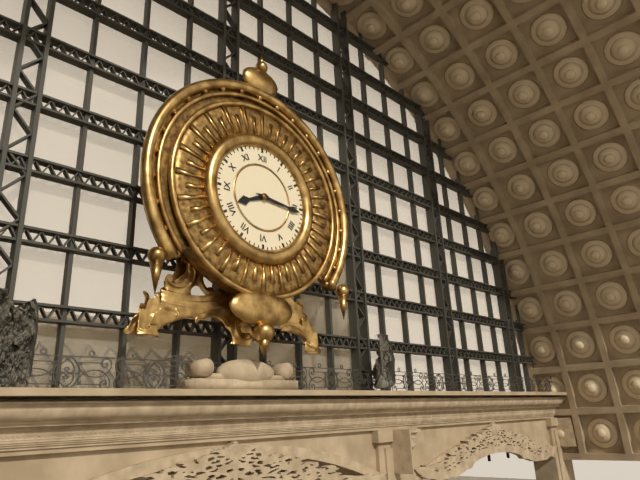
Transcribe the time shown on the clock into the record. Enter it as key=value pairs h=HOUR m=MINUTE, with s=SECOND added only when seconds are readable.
h=8 m=16
